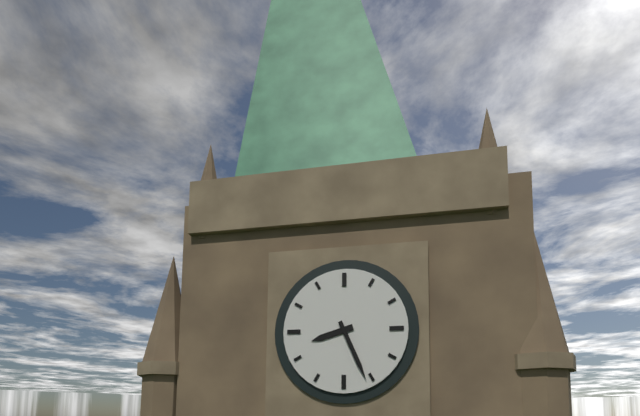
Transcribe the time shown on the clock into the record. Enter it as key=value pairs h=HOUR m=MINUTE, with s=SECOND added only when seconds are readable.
h=8 m=26
